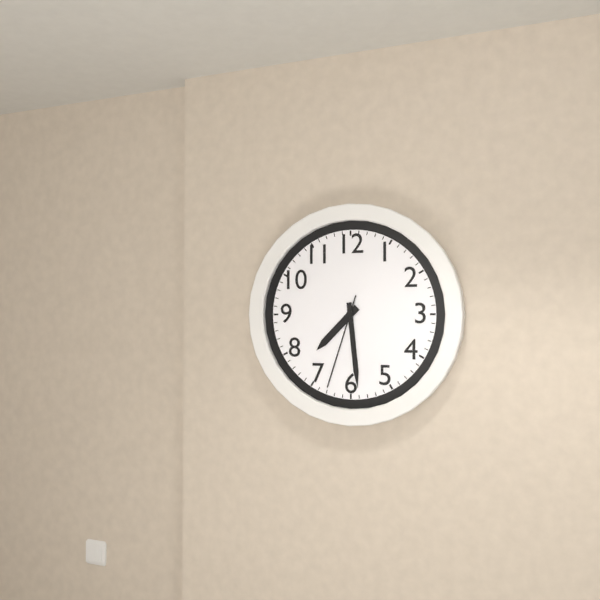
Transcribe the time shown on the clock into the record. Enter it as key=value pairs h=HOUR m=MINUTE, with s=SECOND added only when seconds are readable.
h=7 m=29 s=33
